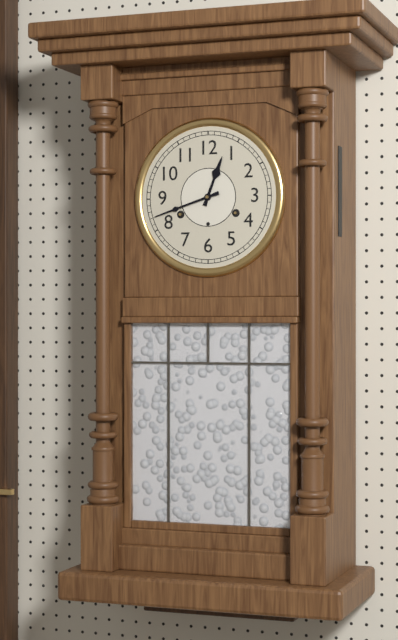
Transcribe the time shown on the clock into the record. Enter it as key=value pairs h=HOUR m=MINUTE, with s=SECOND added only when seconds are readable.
h=12 m=42
